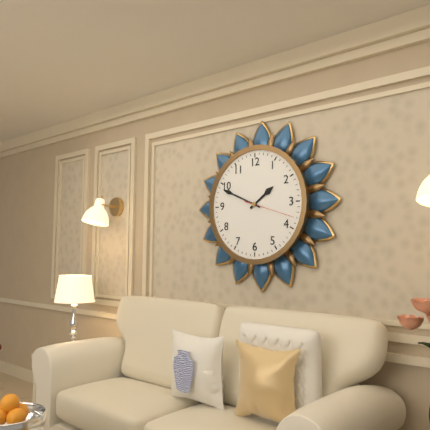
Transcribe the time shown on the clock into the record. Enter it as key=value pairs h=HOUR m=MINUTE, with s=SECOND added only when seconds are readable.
h=1 m=49 s=18
